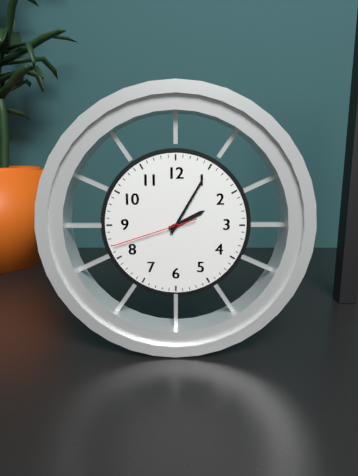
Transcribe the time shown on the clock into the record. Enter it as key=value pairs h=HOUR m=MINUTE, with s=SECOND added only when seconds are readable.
h=2 m=5 s=42
